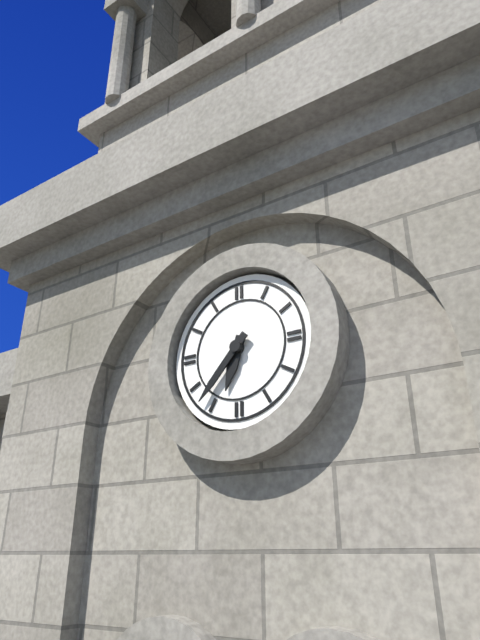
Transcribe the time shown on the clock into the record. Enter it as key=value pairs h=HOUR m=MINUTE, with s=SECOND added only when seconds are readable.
h=6 m=37
